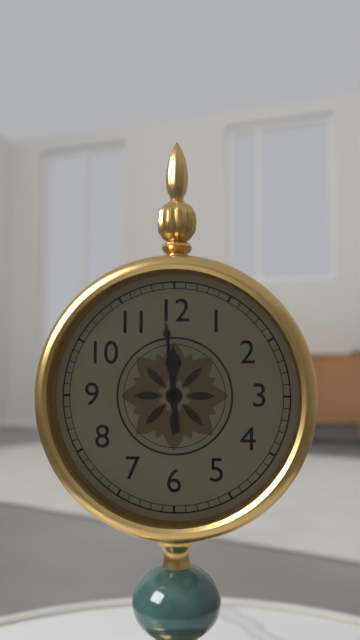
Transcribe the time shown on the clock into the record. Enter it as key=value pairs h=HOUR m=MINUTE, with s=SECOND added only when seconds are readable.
h=11 m=59
